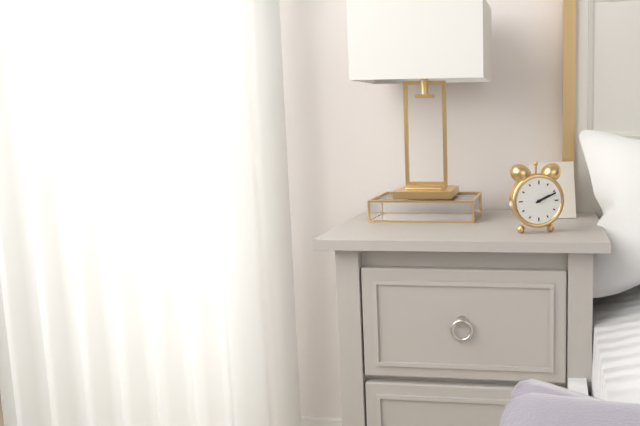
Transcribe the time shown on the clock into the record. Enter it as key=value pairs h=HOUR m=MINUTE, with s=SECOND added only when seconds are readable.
h=2 m=11
